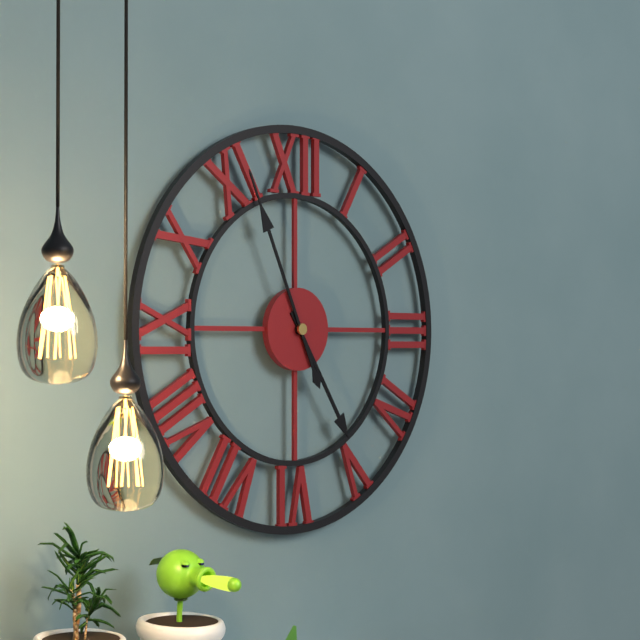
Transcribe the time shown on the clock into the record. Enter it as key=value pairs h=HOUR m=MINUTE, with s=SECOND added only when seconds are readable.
h=4 m=56
